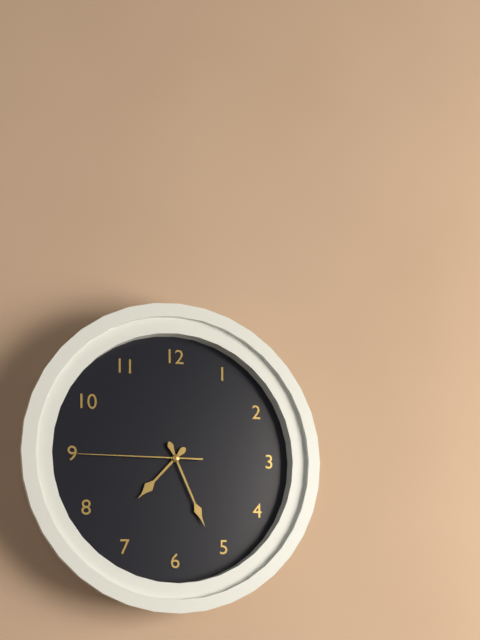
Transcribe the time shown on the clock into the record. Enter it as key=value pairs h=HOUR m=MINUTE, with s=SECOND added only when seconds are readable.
h=7 m=26 s=45
